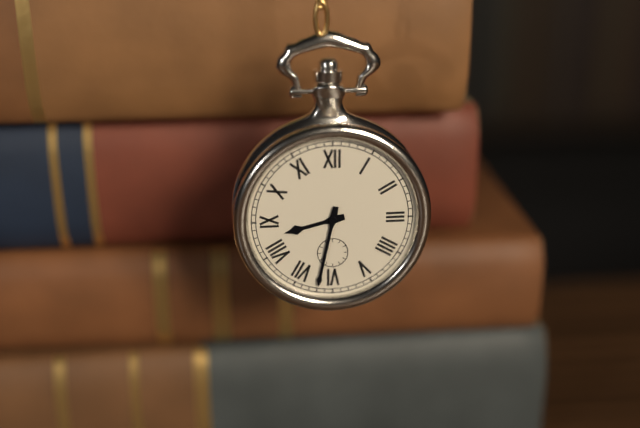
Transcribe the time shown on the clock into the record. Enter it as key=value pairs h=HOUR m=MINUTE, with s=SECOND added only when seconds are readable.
h=8 m=32
